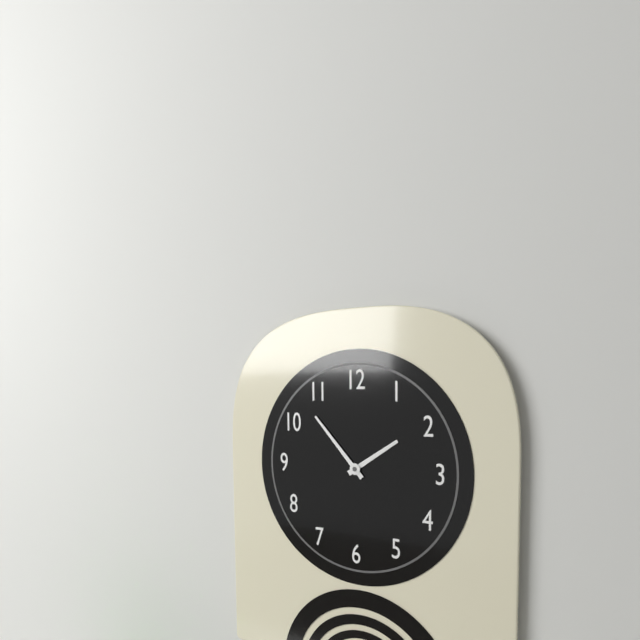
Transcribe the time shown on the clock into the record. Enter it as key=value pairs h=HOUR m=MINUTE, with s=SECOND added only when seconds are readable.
h=1 m=53
